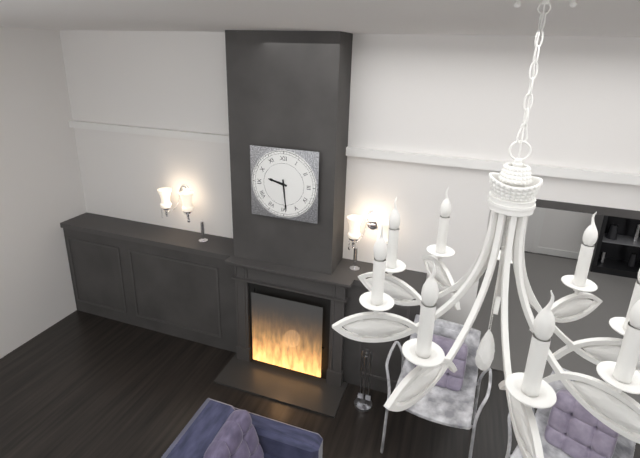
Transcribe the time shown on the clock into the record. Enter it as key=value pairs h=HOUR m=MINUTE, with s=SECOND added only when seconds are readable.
h=9 m=29
